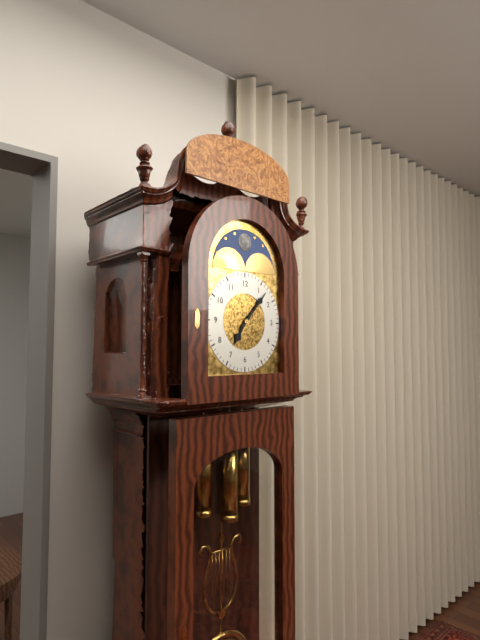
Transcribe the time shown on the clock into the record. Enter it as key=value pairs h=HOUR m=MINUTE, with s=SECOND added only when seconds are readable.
h=7 m=7
